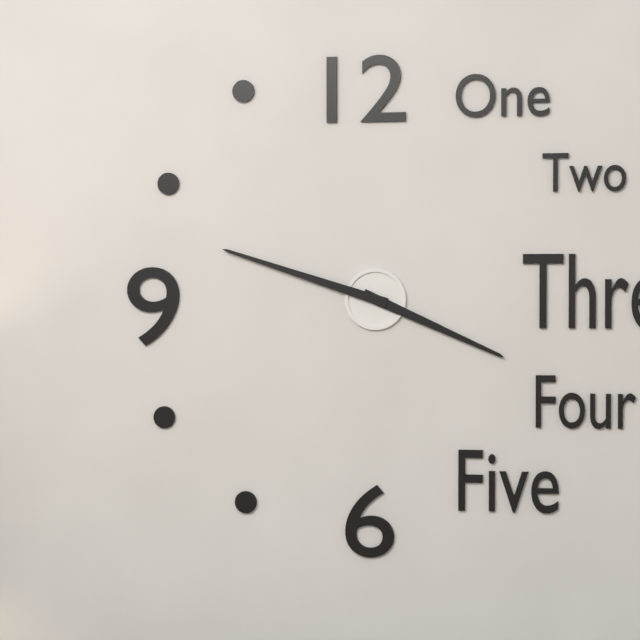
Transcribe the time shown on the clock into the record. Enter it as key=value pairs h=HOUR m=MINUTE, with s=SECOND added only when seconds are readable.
h=3 m=48
